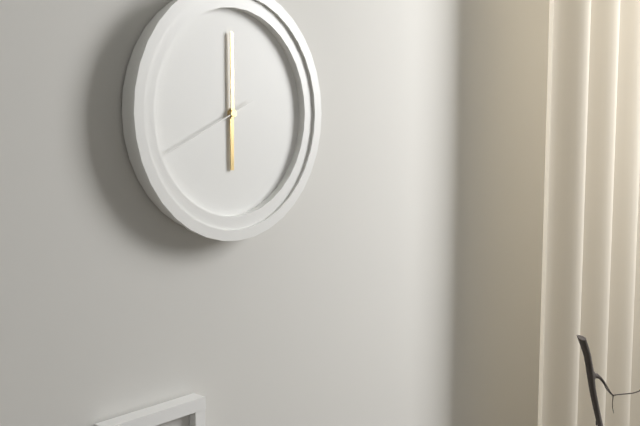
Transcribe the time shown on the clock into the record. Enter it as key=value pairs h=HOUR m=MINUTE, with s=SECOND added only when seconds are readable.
h=6 m=0 s=41
